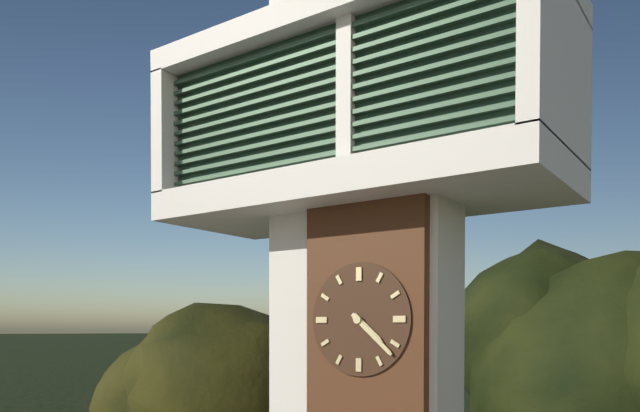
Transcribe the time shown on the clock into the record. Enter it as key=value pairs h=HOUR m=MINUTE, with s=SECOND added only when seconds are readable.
h=4 m=22
